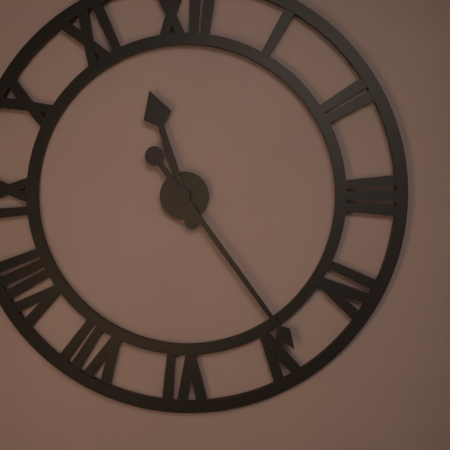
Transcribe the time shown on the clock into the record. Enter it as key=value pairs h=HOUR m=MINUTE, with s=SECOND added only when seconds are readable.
h=11 m=24
